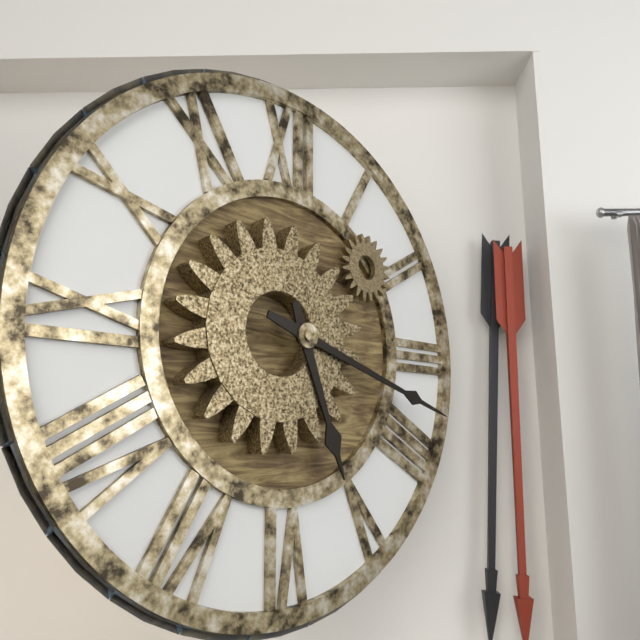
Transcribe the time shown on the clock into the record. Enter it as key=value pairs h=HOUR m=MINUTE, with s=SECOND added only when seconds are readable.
h=5 m=18
